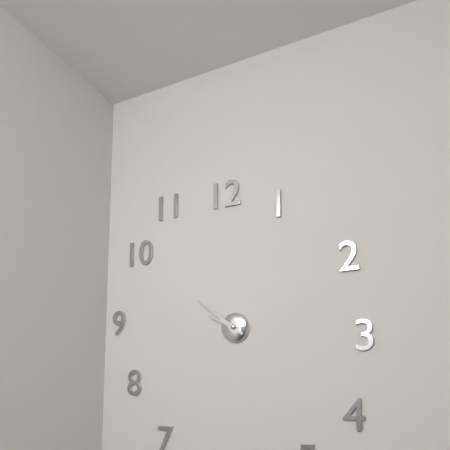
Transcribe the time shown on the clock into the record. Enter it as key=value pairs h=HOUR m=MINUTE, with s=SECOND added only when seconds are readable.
h=9 m=51
